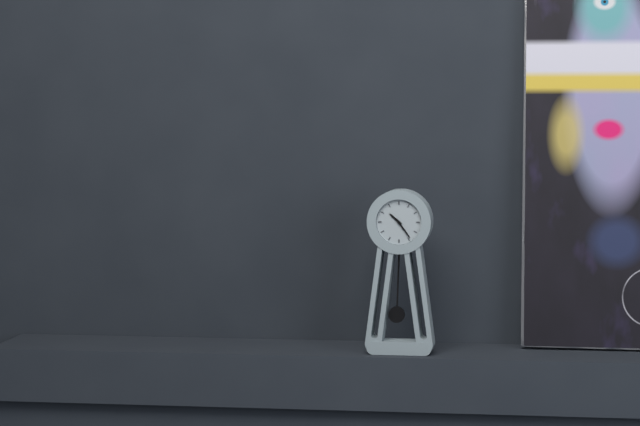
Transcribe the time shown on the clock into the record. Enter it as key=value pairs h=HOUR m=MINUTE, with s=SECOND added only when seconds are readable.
h=10 m=24
